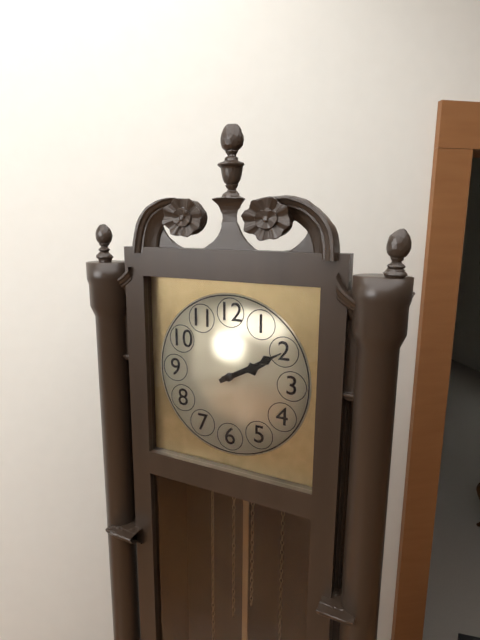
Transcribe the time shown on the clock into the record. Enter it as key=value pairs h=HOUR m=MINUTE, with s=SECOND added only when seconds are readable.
h=2 m=10
